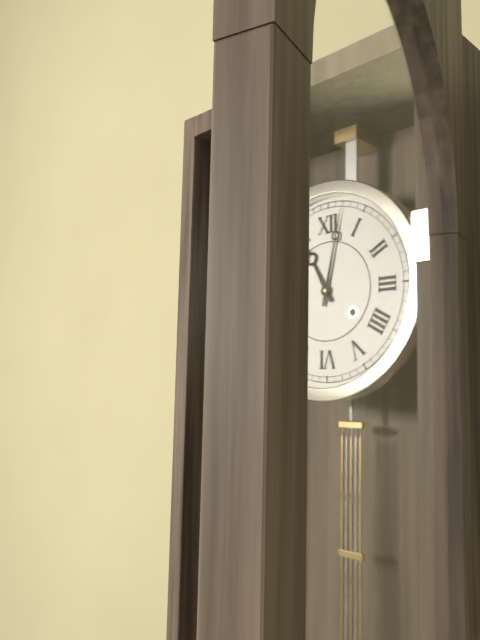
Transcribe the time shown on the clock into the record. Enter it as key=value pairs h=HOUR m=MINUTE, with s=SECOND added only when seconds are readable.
h=11 m=2
